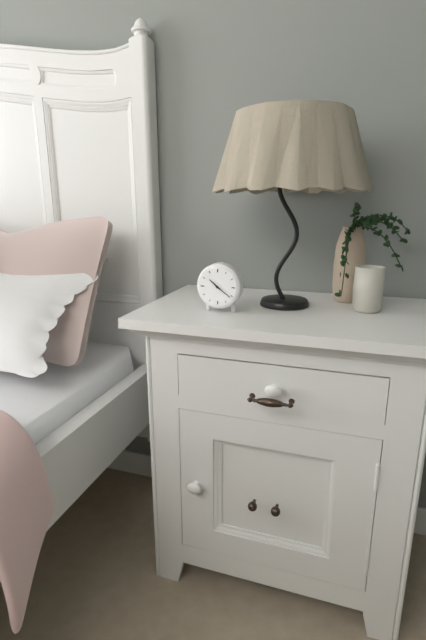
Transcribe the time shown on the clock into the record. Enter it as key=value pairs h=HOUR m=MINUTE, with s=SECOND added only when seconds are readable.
h=10 m=21
